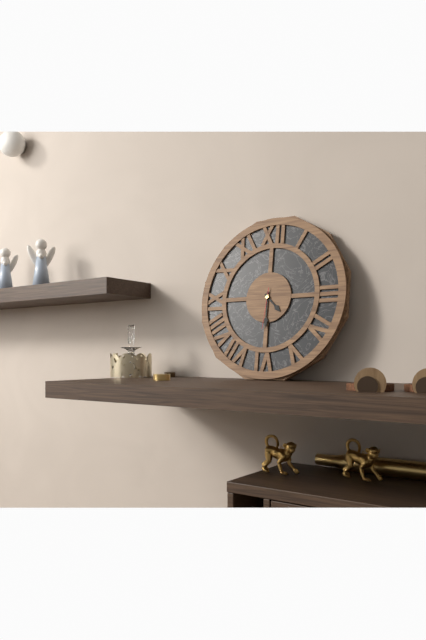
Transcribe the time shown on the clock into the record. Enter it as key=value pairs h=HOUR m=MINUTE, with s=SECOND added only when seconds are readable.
h=4 m=30
